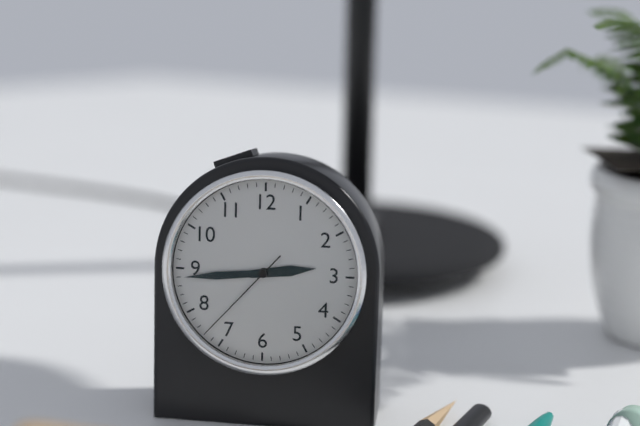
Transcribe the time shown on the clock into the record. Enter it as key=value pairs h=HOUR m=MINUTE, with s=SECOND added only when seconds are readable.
h=2 m=44 s=37
